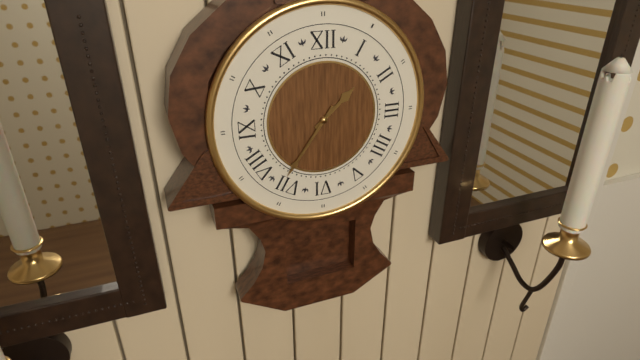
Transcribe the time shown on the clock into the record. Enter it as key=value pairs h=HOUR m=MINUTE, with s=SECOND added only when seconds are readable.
h=1 m=36
